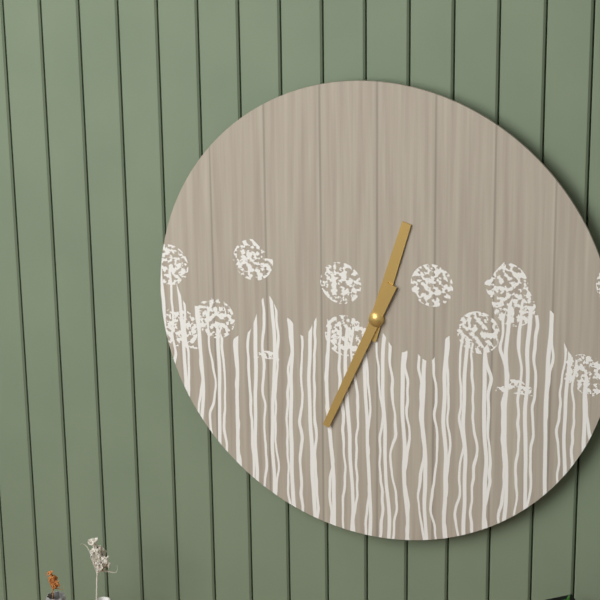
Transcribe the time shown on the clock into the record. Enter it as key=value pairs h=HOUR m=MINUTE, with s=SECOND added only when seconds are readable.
h=12 m=34
